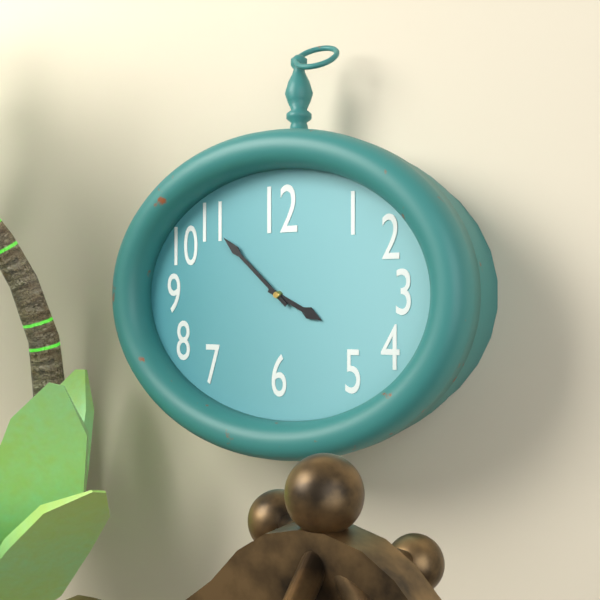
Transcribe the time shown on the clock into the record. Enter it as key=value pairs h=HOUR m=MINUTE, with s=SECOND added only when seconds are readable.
h=3 m=52
